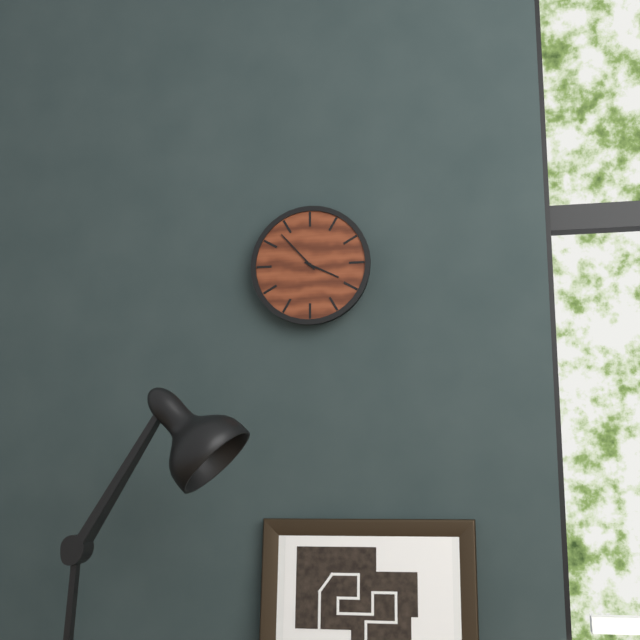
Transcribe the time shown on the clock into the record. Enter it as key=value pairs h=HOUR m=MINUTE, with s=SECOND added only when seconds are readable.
h=3 m=53
